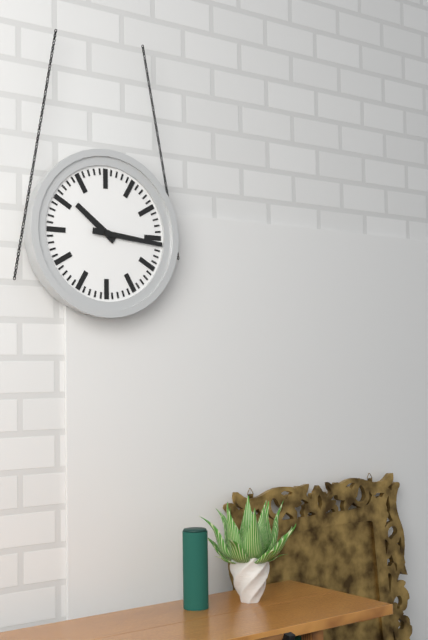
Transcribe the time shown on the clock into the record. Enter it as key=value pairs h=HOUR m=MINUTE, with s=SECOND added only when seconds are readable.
h=10 m=16
